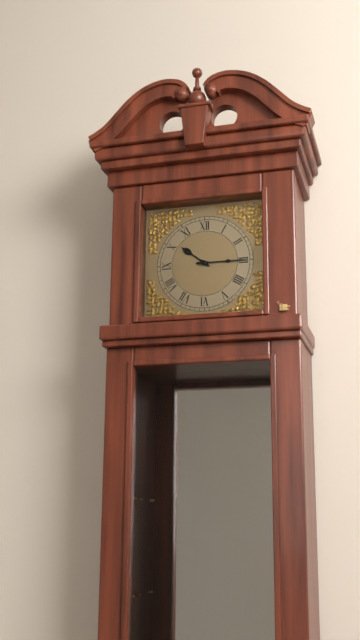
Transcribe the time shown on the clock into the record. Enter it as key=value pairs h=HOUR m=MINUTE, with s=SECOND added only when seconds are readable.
h=10 m=15
